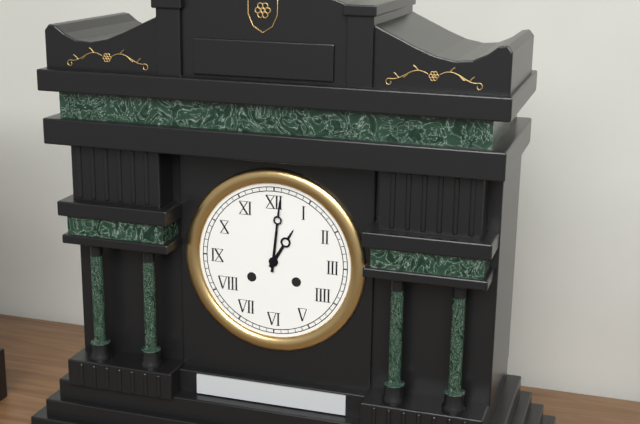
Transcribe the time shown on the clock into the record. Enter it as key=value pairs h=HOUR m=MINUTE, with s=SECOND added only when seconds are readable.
h=1 m=1
